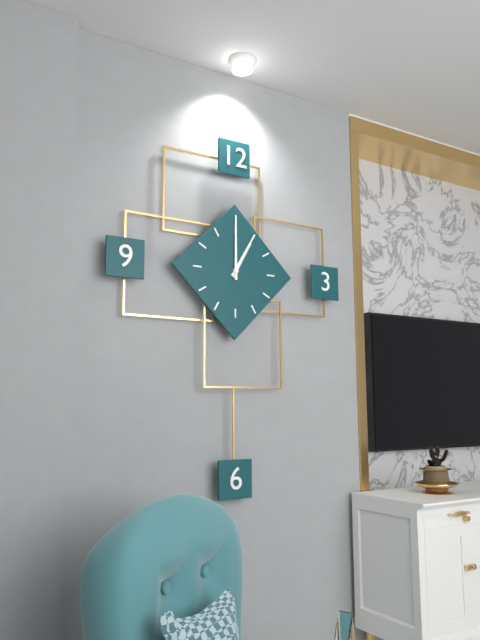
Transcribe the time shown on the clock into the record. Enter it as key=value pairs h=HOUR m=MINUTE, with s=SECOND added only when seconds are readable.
h=1 m=0
